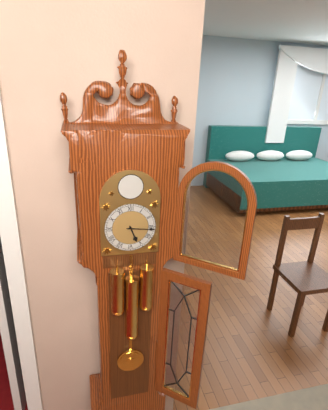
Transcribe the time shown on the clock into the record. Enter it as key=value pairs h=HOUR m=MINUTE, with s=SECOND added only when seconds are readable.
h=5 m=16
